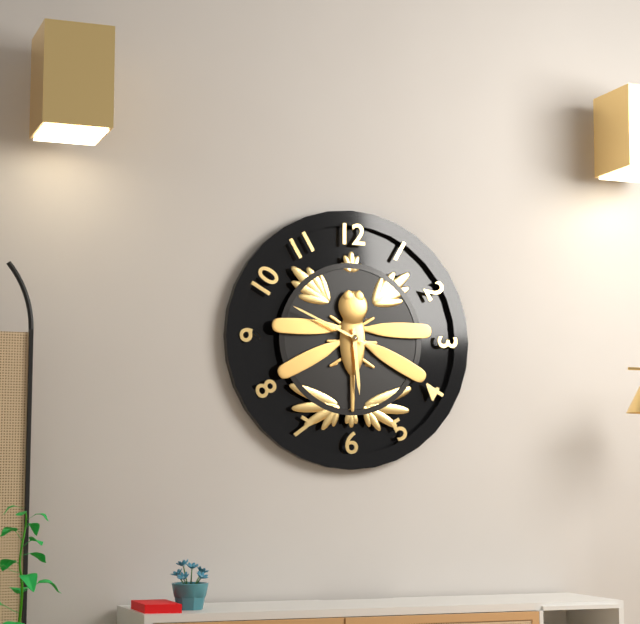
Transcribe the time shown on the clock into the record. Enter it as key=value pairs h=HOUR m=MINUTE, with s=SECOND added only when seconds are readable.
h=5 m=49
